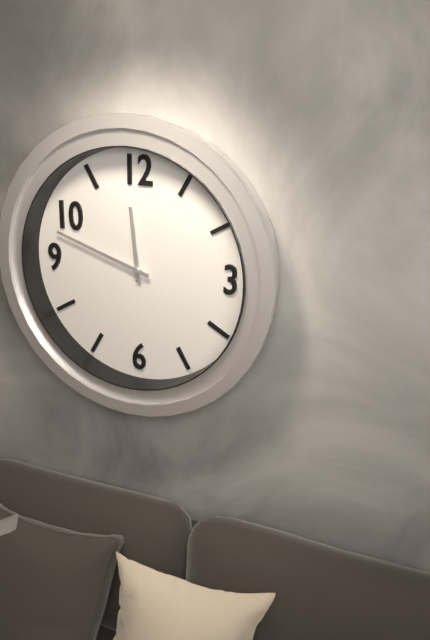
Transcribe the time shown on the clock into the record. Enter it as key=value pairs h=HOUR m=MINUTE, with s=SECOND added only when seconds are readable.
h=11 m=48
